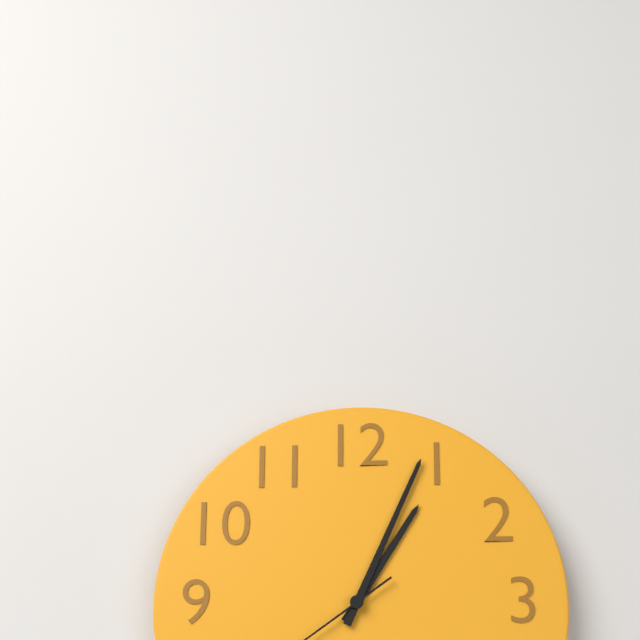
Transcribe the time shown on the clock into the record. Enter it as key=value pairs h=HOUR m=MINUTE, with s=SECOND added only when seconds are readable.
h=1 m=4
